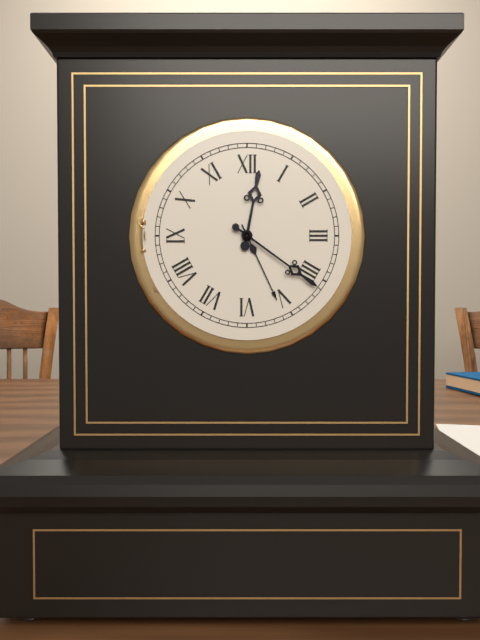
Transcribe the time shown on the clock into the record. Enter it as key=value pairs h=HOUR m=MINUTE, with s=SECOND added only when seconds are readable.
h=12 m=21
